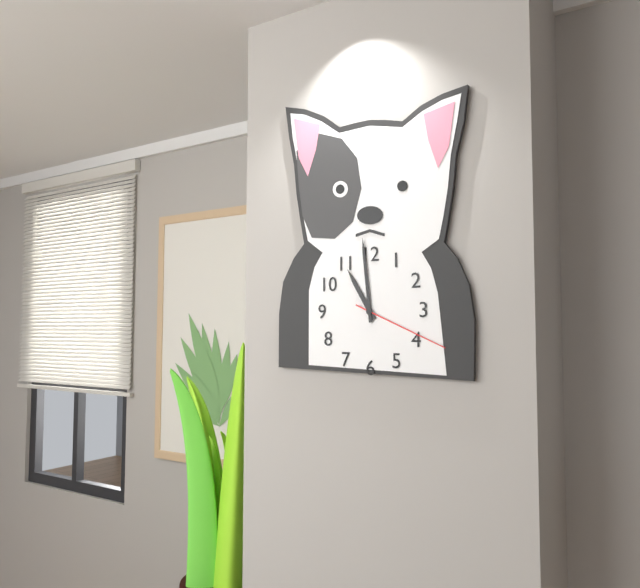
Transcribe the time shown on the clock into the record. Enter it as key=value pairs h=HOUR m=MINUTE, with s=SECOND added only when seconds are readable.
h=10 m=59 s=19
